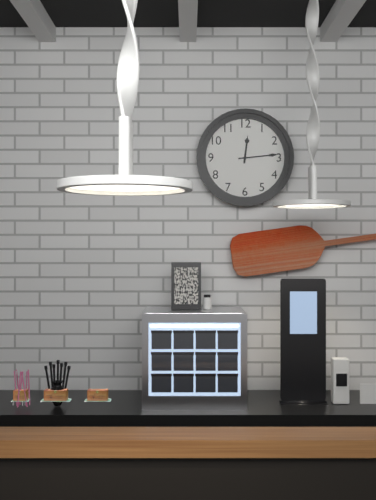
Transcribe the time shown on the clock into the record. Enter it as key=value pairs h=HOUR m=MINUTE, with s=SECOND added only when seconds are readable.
h=12 m=14
